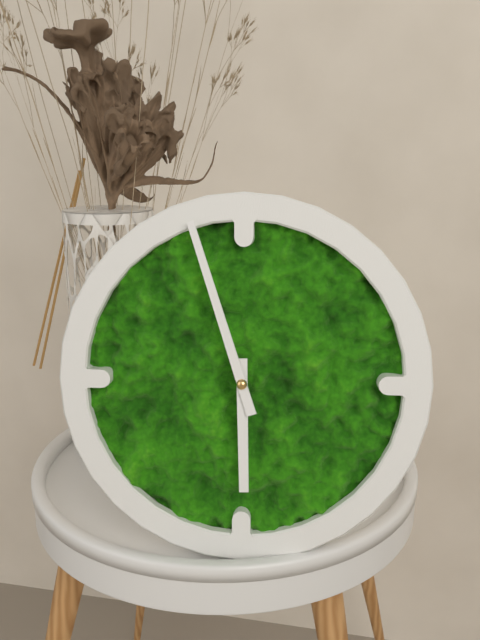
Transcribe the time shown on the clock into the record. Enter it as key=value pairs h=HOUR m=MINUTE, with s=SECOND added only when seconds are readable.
h=5 m=57
